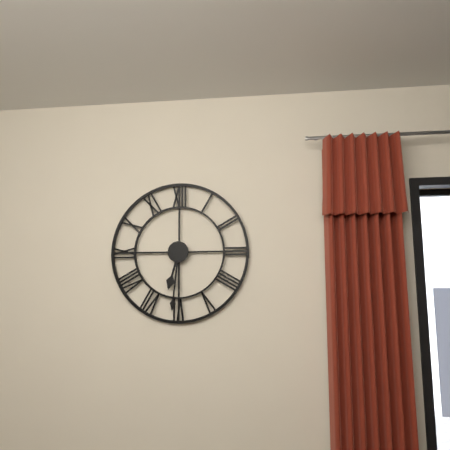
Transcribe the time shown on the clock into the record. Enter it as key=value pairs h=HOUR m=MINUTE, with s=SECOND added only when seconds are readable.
h=6 m=31
